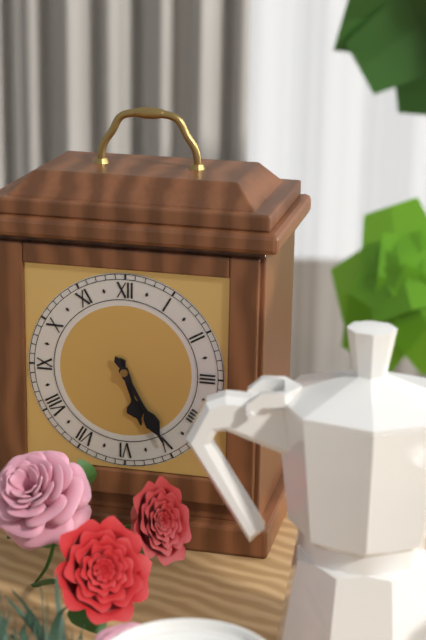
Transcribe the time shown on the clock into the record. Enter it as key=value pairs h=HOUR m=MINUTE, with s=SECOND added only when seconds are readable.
h=5 m=25
